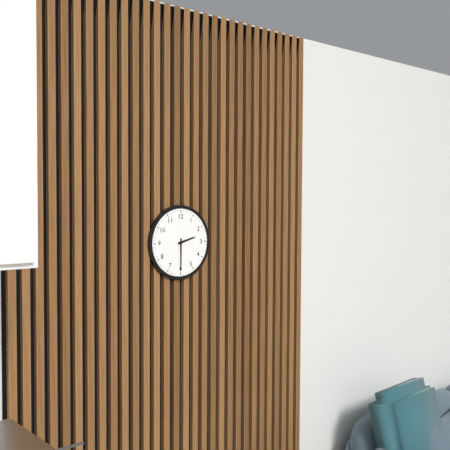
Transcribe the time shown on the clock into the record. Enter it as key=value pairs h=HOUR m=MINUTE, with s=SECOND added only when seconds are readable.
h=2 m=30
